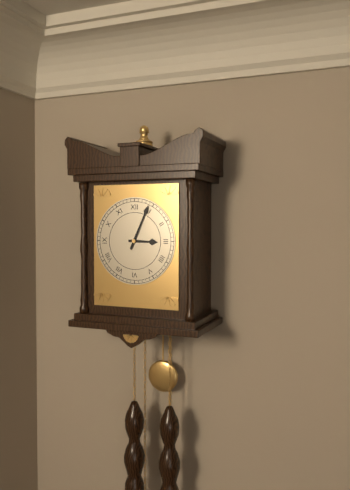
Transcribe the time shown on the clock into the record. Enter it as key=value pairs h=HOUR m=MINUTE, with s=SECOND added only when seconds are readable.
h=3 m=4
